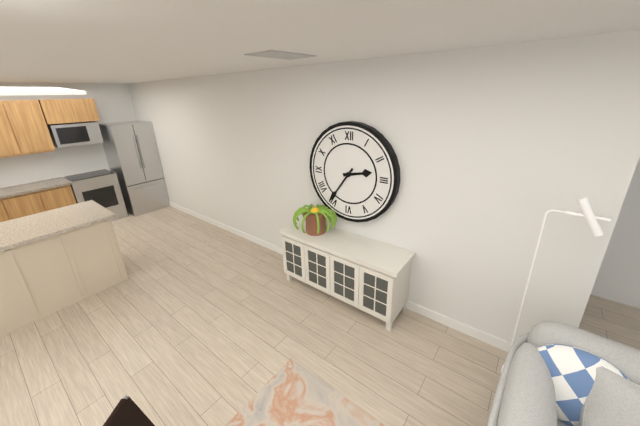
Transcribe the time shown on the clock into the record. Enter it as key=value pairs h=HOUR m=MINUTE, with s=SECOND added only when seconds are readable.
h=2 m=36
